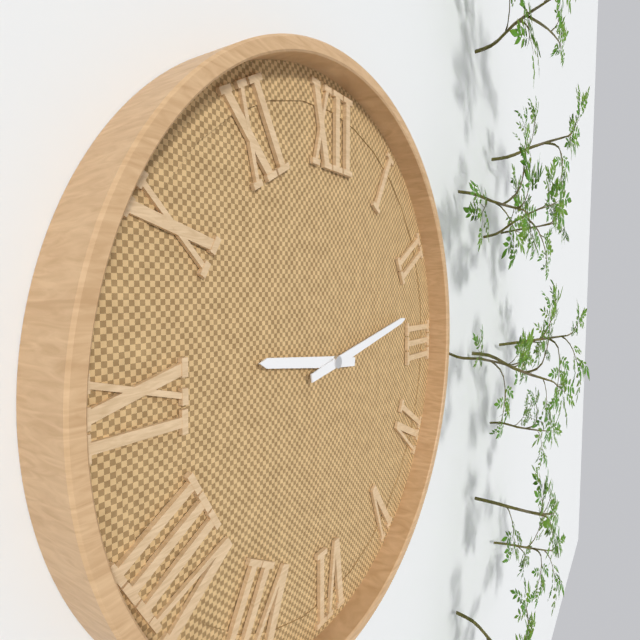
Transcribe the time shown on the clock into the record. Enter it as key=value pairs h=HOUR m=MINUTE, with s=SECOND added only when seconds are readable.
h=9 m=13
